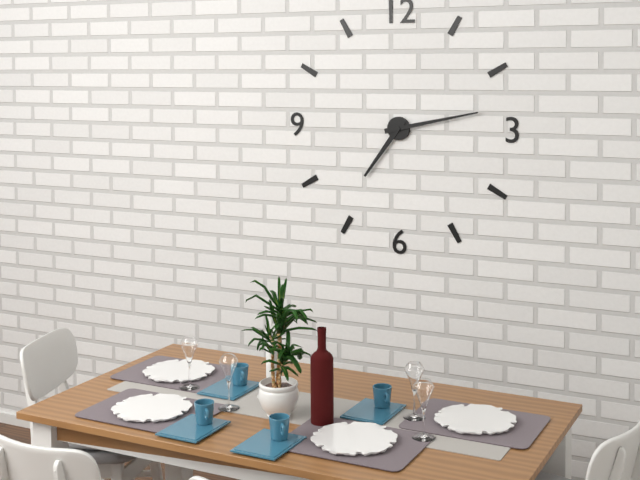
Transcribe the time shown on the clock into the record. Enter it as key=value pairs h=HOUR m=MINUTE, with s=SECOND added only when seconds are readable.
h=7 m=13
